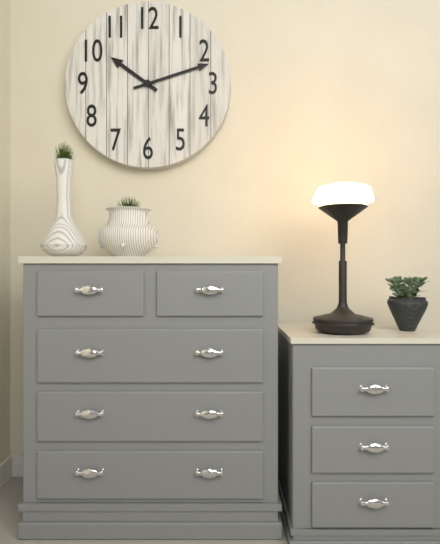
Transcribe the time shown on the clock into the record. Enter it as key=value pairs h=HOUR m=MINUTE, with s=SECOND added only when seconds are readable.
h=10 m=12
